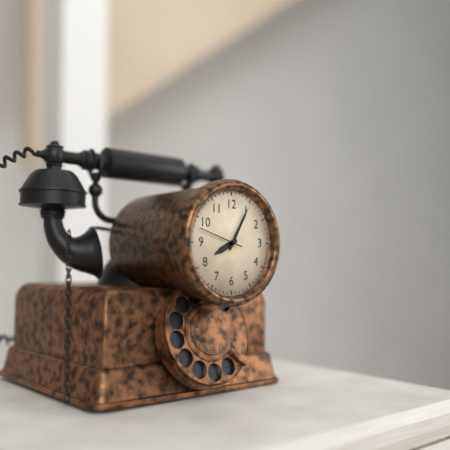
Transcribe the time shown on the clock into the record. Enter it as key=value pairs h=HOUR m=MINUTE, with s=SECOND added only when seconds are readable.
h=8 m=5
